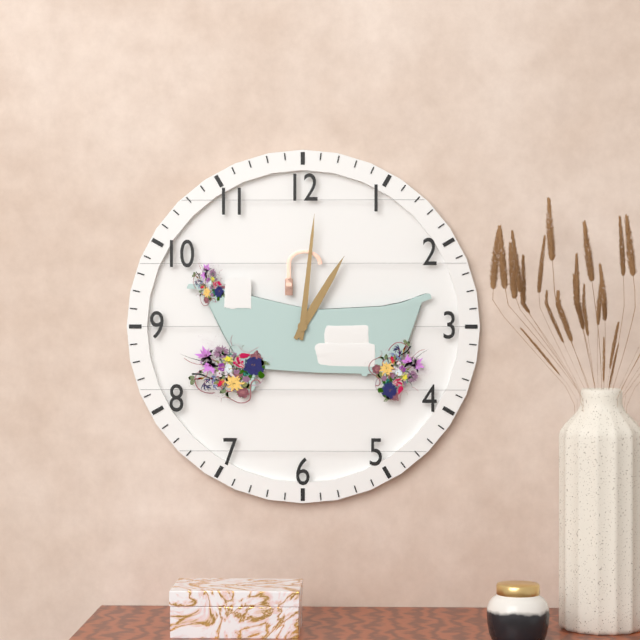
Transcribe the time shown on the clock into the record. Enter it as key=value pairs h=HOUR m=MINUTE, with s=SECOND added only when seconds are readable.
h=1 m=1
